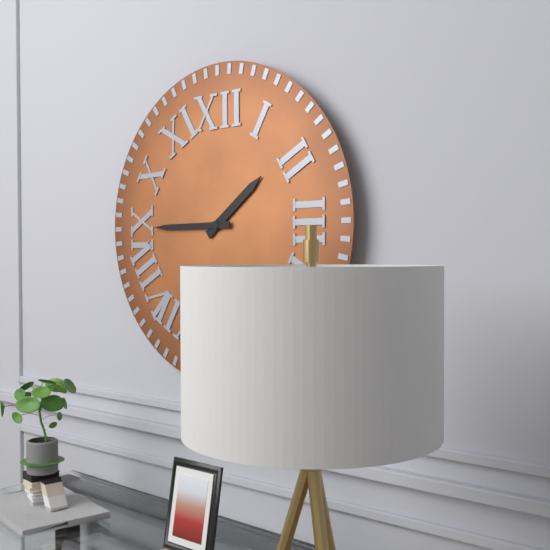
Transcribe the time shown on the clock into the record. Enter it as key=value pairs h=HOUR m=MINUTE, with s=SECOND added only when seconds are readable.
h=1 m=45
